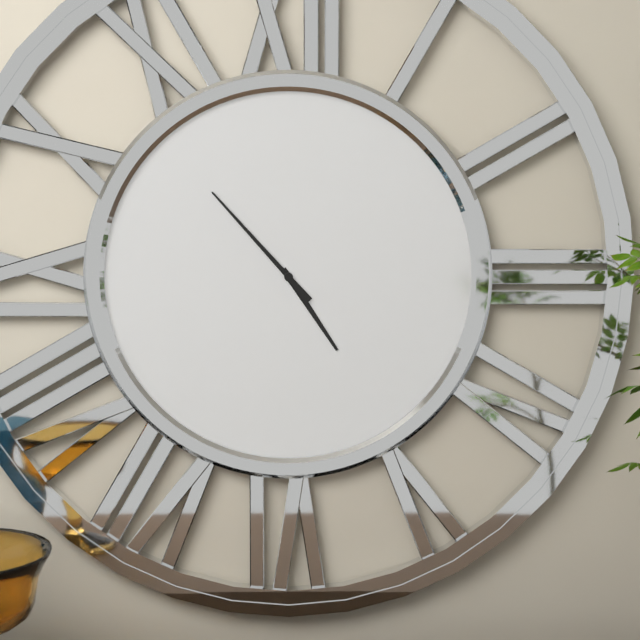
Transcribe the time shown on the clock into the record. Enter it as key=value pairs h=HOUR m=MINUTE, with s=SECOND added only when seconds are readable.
h=4 m=53
